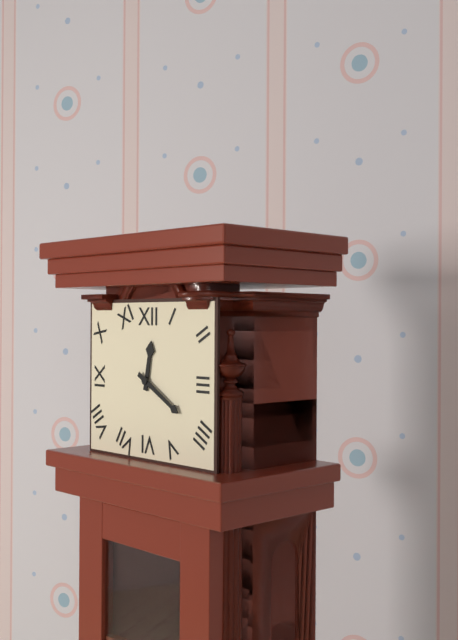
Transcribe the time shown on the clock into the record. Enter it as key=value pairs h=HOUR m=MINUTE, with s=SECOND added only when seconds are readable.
h=12 m=20
